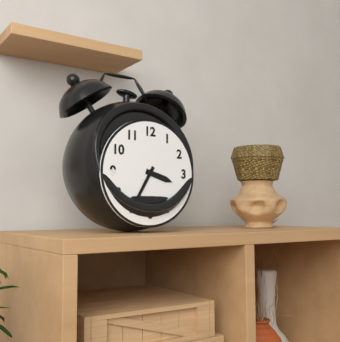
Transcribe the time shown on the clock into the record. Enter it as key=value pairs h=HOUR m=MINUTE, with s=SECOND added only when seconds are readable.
h=3 m=35
